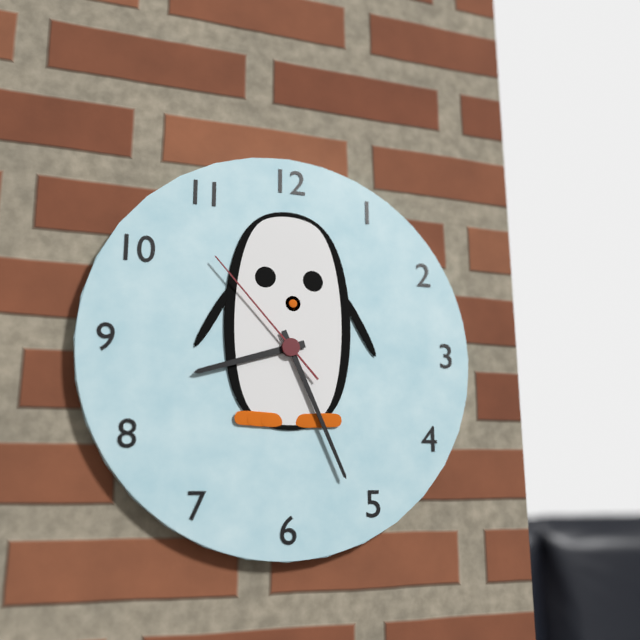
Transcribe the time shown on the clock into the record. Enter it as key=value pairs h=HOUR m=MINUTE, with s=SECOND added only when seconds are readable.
h=8 m=26 s=53
